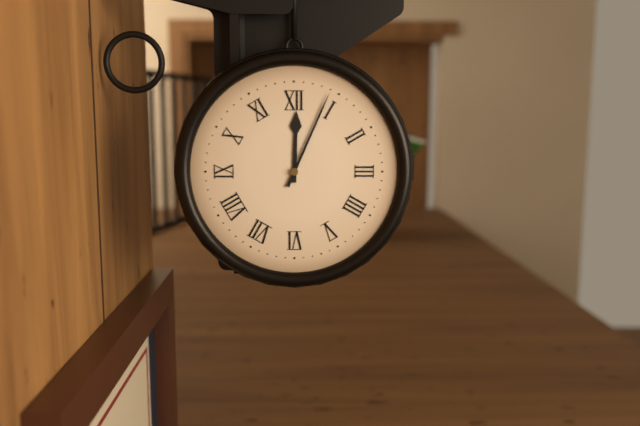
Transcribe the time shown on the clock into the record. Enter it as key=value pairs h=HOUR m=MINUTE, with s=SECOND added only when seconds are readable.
h=12 m=4
